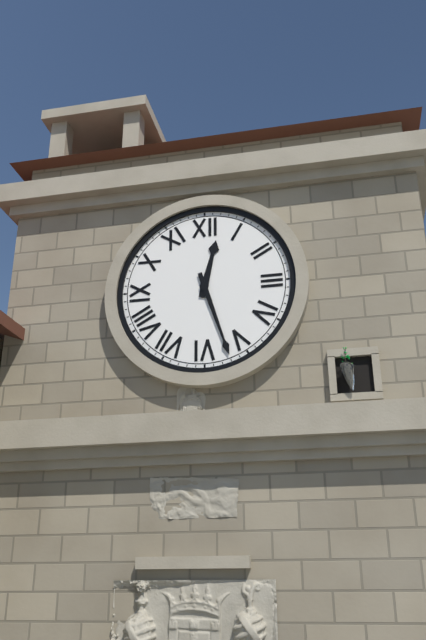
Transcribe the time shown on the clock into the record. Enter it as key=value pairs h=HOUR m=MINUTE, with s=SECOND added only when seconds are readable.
h=12 m=27
